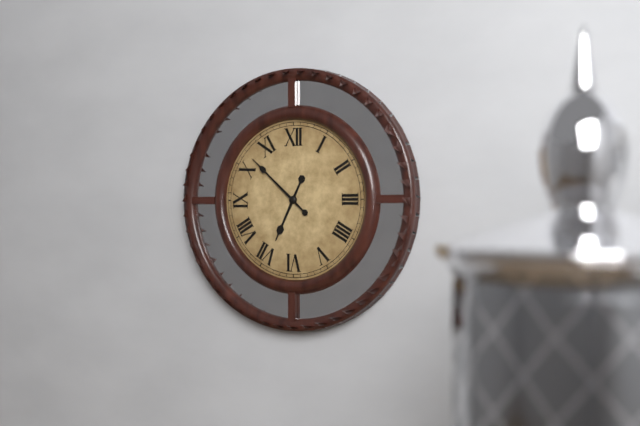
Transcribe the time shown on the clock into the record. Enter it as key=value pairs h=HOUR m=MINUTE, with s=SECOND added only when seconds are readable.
h=6 m=52
